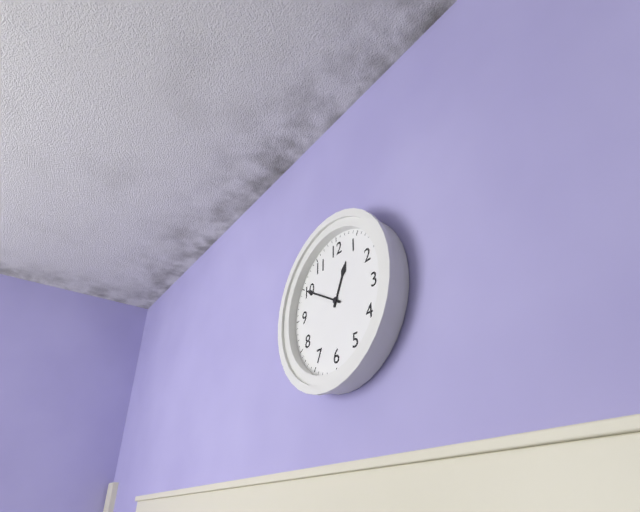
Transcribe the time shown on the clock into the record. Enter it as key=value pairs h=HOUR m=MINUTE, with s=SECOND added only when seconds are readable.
h=12 m=50
